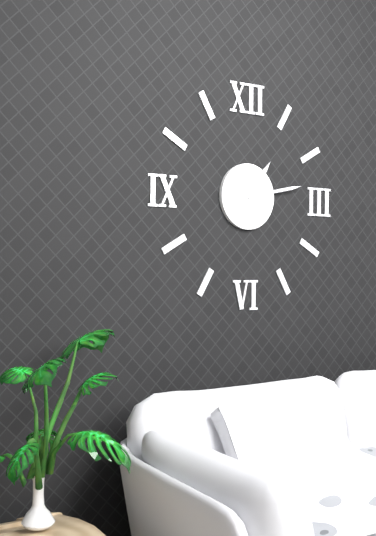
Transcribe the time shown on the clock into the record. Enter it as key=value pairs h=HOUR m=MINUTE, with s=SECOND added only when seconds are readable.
h=1 m=13
